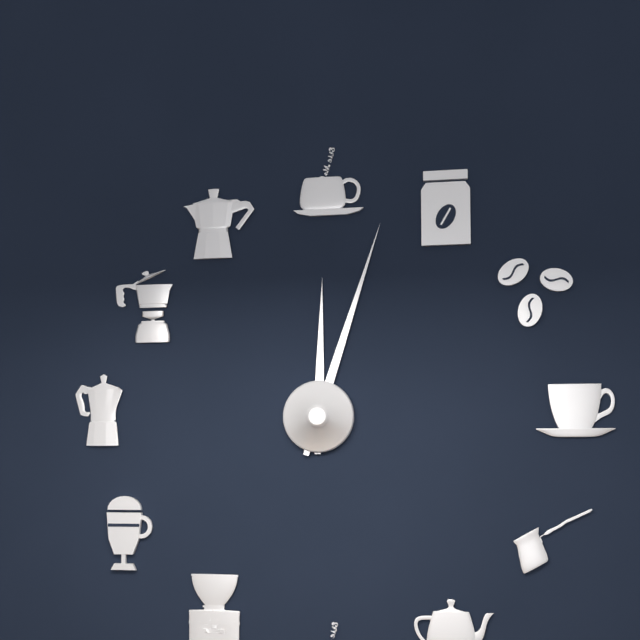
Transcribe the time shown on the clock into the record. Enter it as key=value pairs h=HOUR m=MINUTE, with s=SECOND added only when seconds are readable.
h=12 m=3
